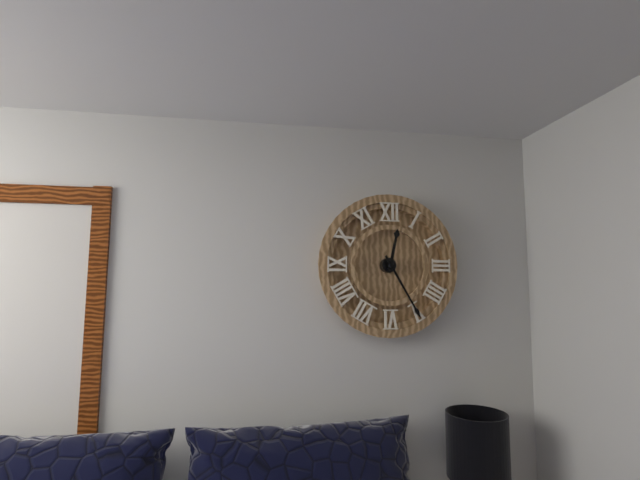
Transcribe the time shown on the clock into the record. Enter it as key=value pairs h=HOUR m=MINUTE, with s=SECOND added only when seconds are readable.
h=12 m=25
